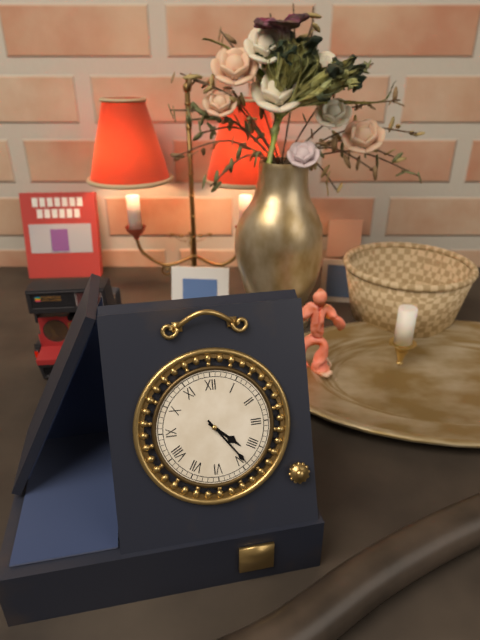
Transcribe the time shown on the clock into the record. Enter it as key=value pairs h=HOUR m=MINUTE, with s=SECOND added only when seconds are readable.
h=4 m=24
